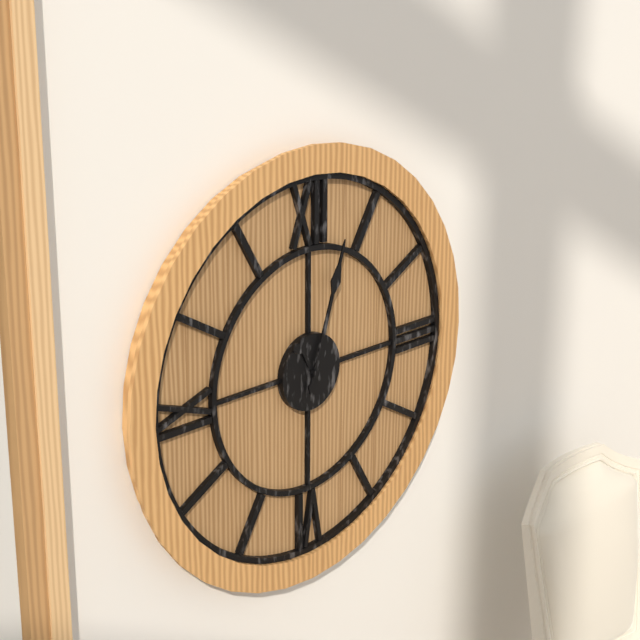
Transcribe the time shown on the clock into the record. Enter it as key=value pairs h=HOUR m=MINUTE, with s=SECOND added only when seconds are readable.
h=11 m=3
